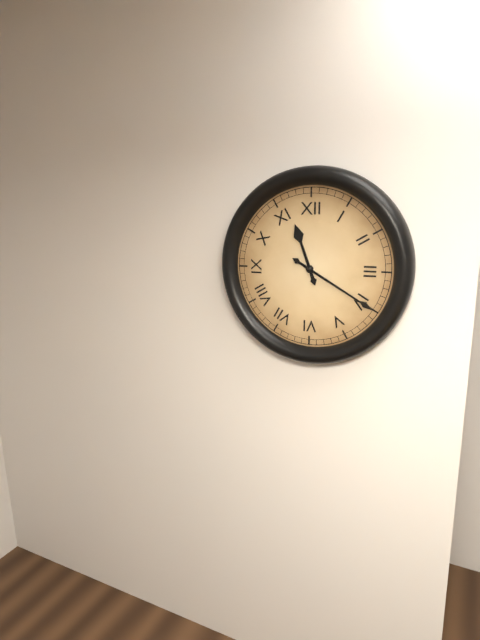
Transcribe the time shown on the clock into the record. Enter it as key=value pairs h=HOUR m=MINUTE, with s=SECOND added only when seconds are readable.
h=11 m=20
